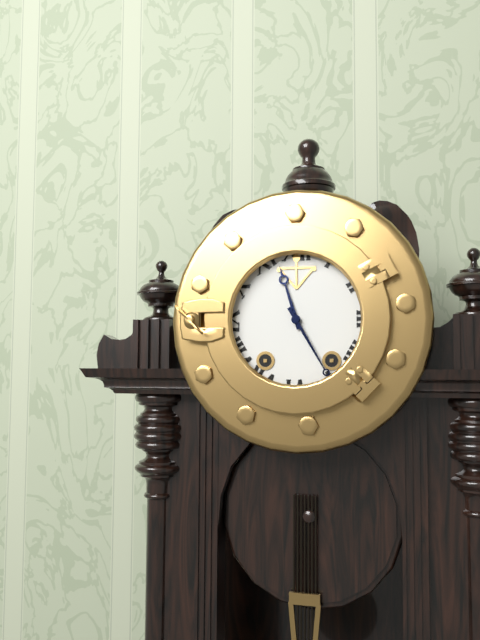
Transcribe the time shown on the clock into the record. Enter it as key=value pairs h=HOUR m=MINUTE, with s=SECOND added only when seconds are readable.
h=11 m=25
